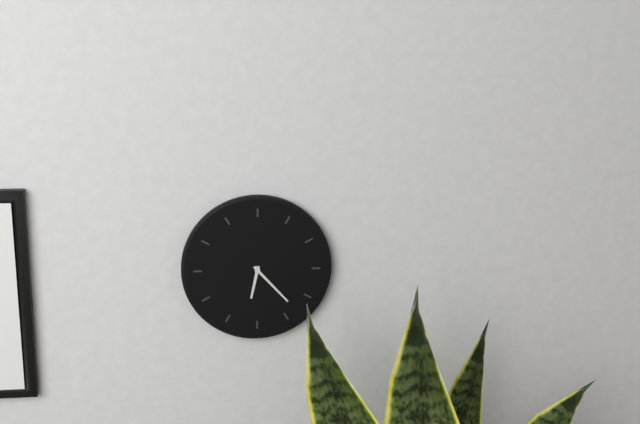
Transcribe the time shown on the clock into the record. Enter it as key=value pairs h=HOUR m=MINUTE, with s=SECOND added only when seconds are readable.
h=6 m=23
